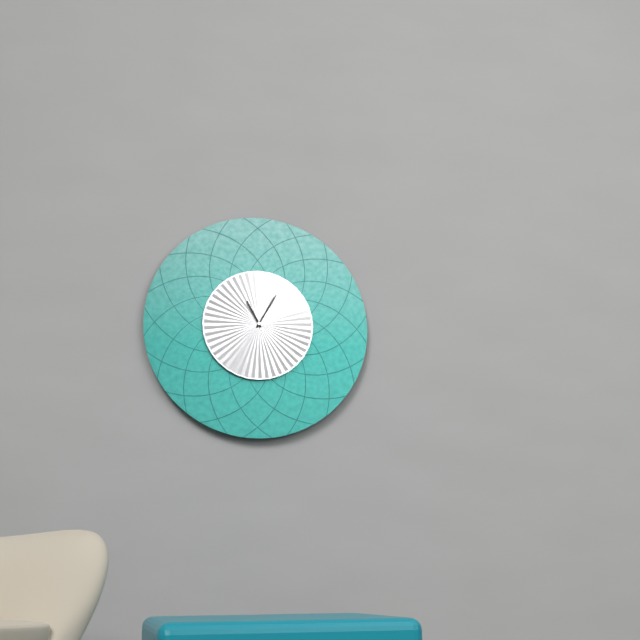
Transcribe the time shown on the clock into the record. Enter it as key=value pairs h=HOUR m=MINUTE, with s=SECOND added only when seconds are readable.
h=11 m=5
